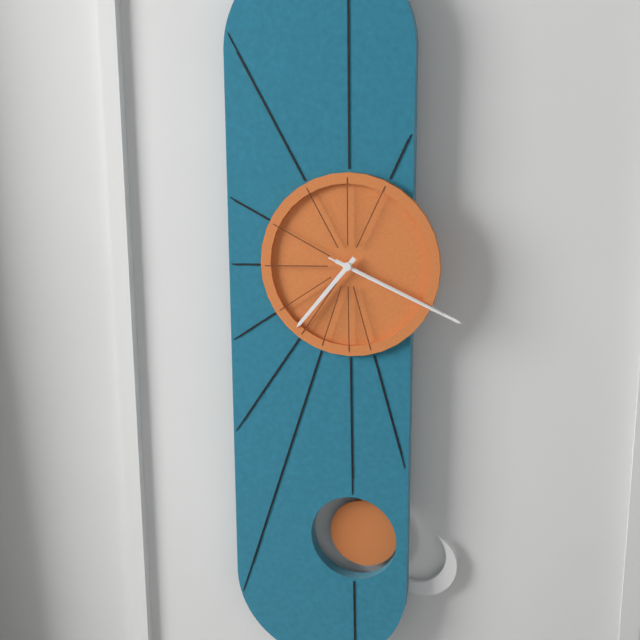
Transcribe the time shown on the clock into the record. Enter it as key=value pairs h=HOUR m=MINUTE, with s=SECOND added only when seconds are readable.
h=7 m=19 s=19
